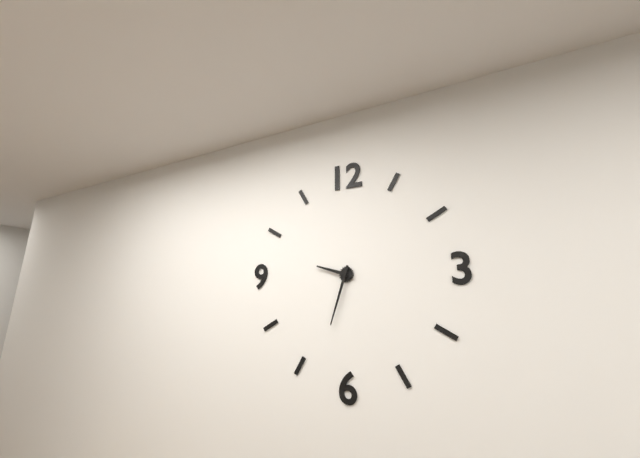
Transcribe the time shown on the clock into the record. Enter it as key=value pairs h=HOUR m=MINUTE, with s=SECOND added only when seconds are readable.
h=9 m=33
